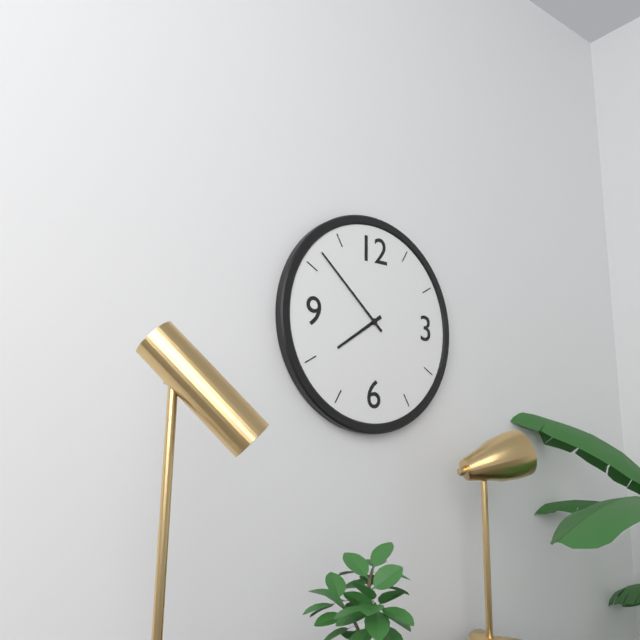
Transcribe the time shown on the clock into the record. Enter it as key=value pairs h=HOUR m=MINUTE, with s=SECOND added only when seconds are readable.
h=7 m=52
